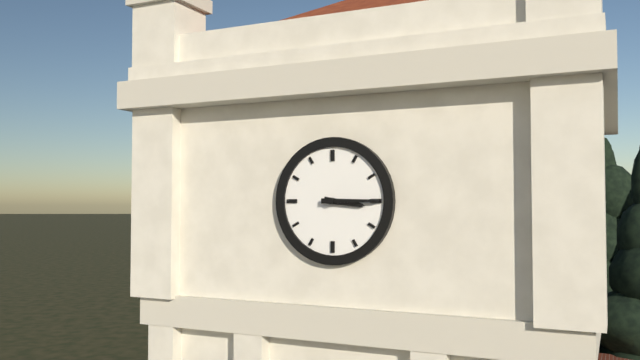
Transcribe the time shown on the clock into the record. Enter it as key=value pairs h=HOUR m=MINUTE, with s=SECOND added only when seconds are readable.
h=3 m=15
